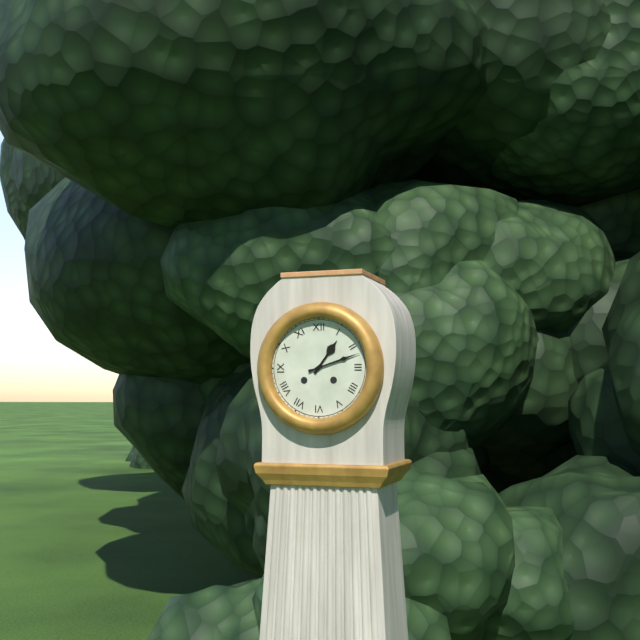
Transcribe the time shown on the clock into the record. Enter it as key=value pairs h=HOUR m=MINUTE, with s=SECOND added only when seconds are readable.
h=1 m=12
